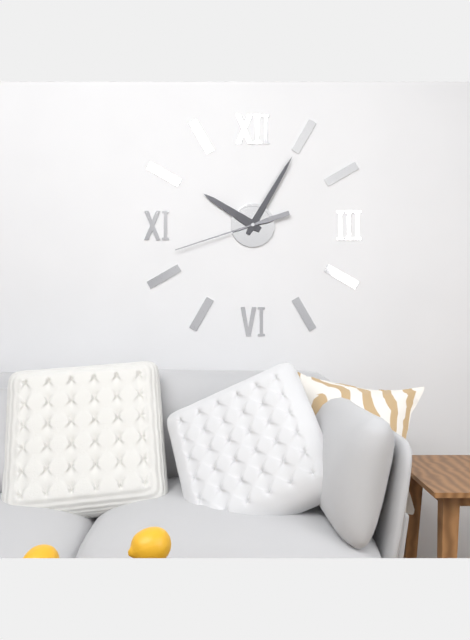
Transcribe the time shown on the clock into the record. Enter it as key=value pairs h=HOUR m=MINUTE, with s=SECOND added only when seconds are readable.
h=10 m=5 s=42
